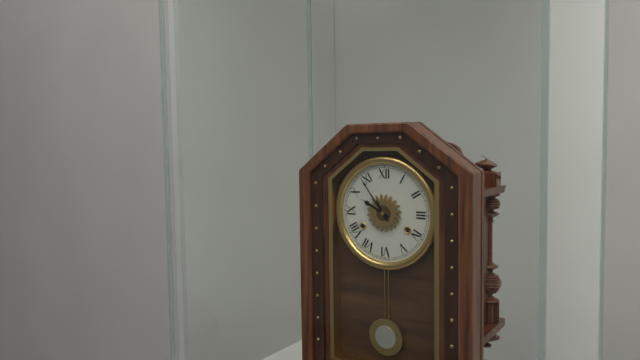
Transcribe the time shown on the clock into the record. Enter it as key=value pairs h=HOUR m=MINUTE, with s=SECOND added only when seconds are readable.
h=9 m=54
